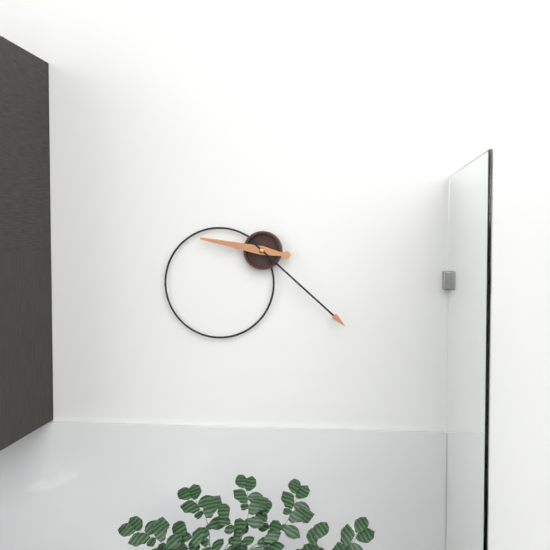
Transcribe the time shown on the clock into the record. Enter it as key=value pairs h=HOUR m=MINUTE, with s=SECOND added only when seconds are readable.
h=9 m=22
